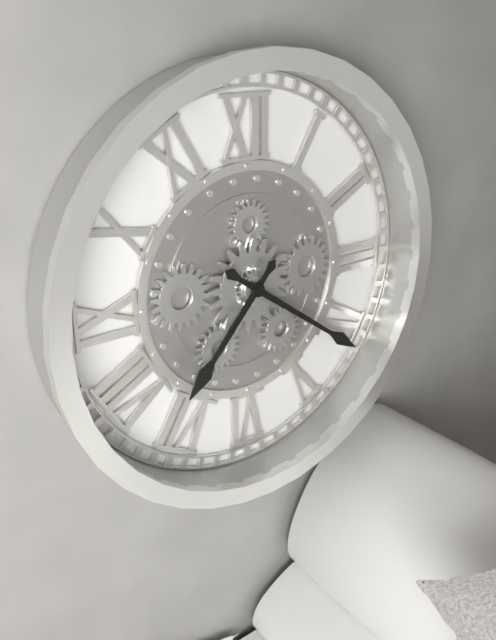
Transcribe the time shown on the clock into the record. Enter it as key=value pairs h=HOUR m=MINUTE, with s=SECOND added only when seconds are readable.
h=7 m=21
